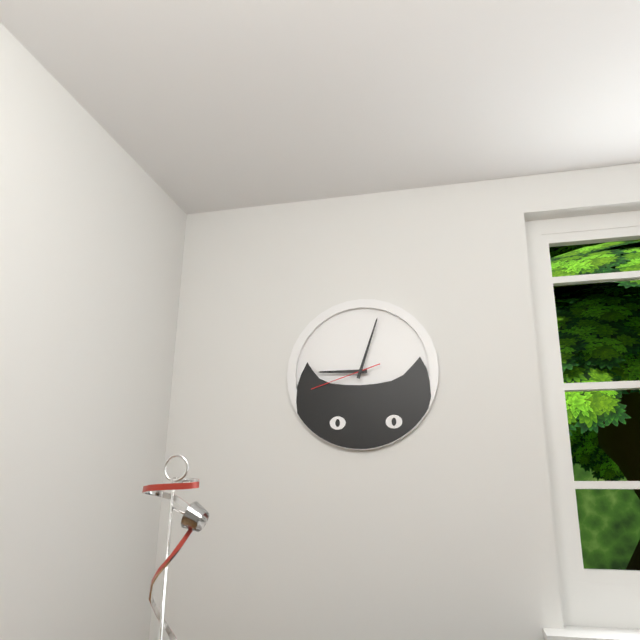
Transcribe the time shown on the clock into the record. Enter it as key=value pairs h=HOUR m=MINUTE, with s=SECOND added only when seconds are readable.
h=9 m=3 s=42
